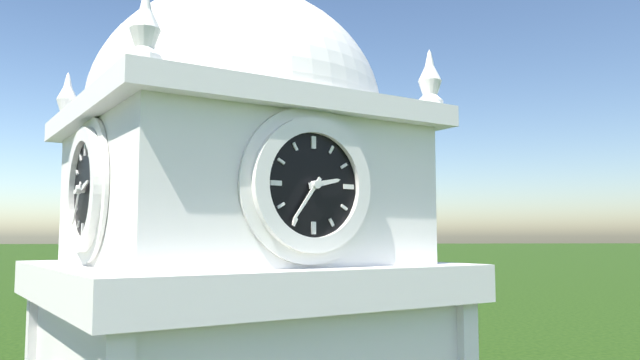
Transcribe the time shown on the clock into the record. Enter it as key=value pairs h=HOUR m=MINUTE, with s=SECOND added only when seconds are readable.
h=2 m=36
